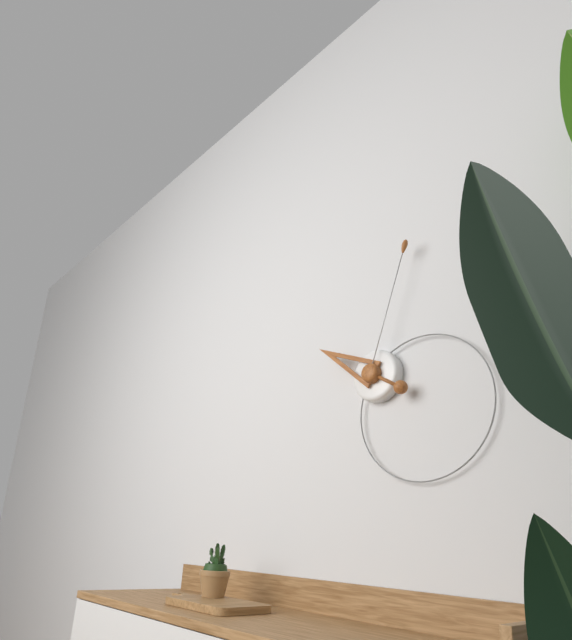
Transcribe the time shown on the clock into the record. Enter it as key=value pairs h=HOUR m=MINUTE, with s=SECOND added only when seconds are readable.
h=10 m=3
